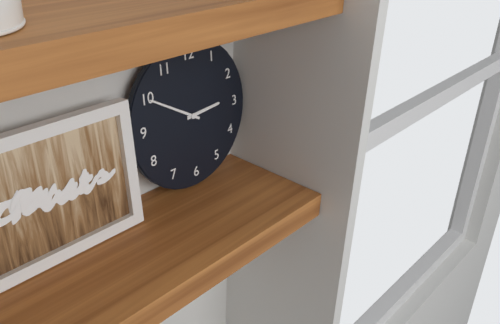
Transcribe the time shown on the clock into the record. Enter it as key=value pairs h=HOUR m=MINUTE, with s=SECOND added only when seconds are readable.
h=2 m=50
